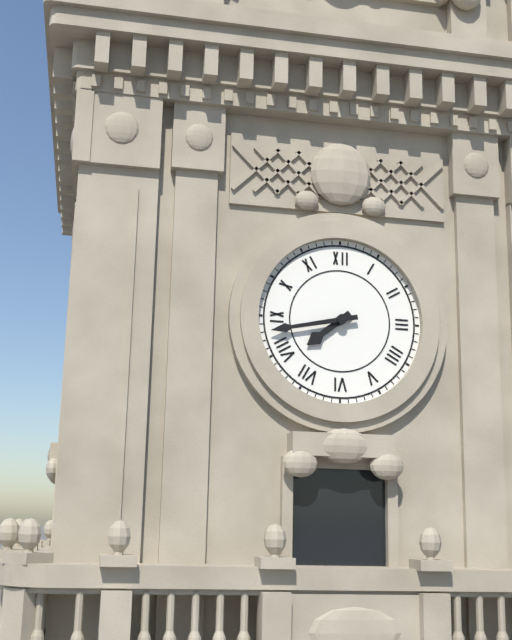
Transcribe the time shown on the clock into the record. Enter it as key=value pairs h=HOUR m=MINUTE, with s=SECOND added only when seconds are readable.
h=7 m=43
